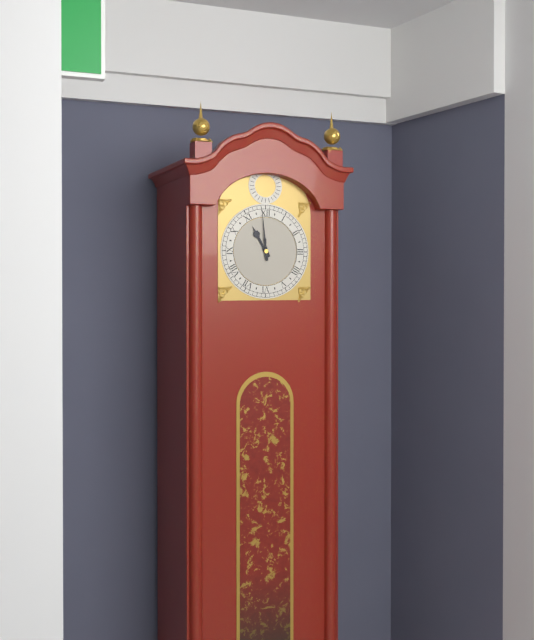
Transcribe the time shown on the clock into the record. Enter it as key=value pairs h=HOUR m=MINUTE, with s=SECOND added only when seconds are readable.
h=10 m=59
